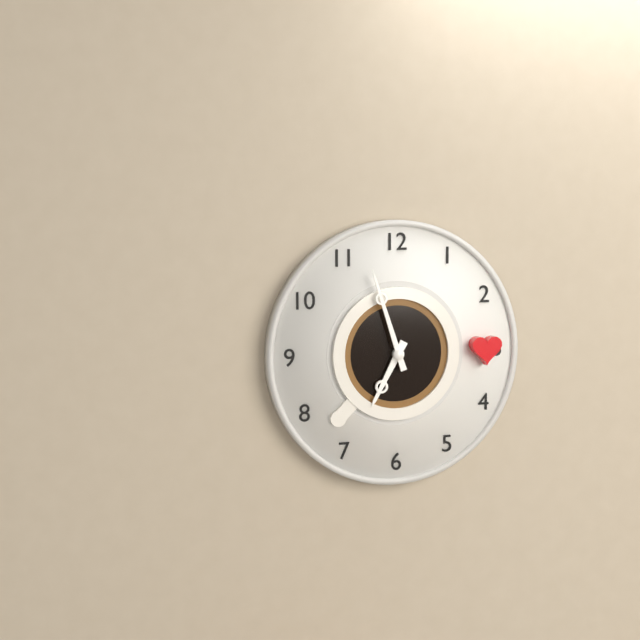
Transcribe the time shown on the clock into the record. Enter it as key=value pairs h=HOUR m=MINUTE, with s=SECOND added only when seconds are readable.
h=6 m=57
